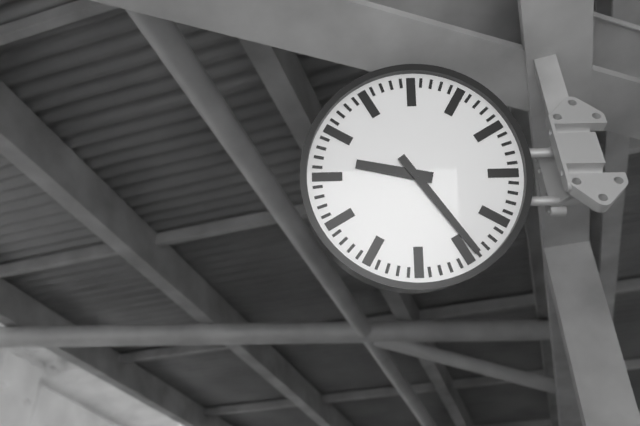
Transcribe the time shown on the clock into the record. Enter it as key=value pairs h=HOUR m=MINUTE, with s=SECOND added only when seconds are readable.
h=9 m=24
